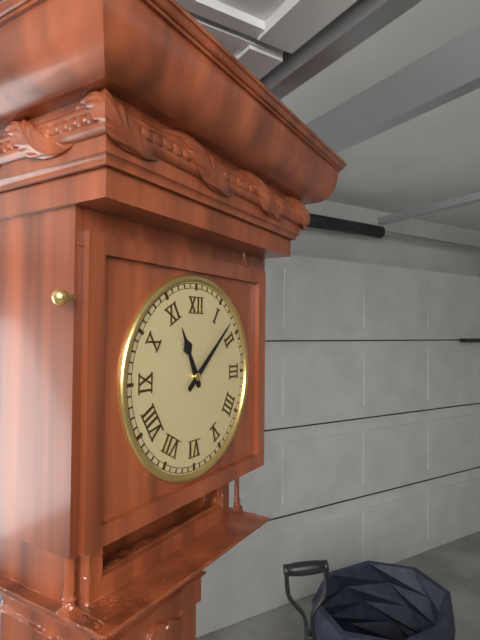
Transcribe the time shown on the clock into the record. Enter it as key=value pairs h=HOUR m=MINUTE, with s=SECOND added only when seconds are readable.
h=11 m=8
